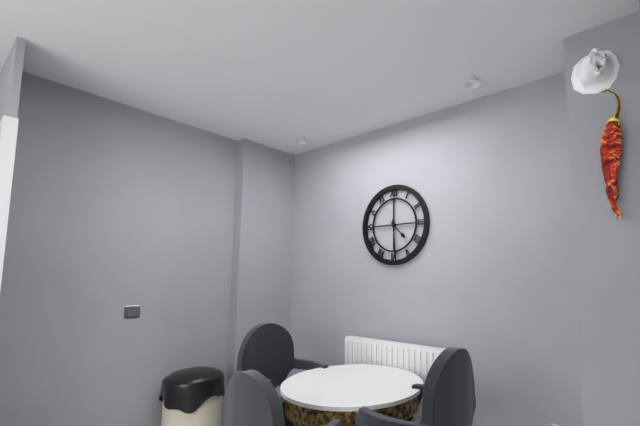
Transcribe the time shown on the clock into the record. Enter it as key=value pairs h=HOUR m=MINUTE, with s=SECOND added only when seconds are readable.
h=4 m=29
